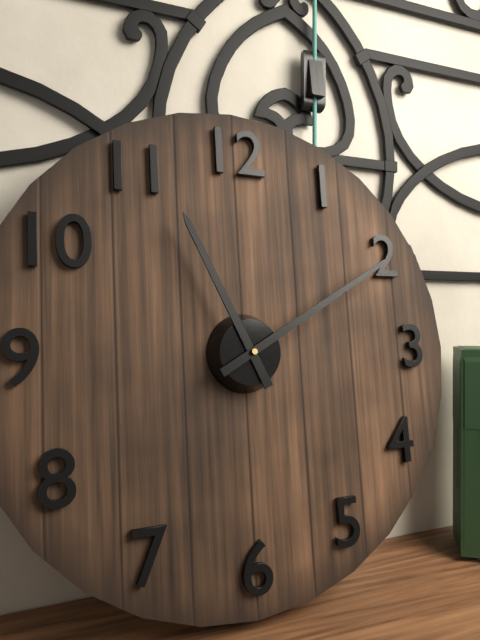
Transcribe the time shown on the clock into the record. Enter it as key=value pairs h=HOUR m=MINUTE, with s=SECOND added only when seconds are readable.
h=11 m=10
